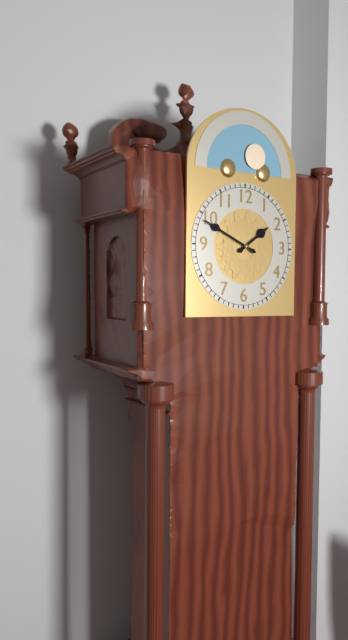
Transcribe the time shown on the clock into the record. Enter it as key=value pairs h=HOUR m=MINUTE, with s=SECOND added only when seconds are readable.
h=1 m=49
